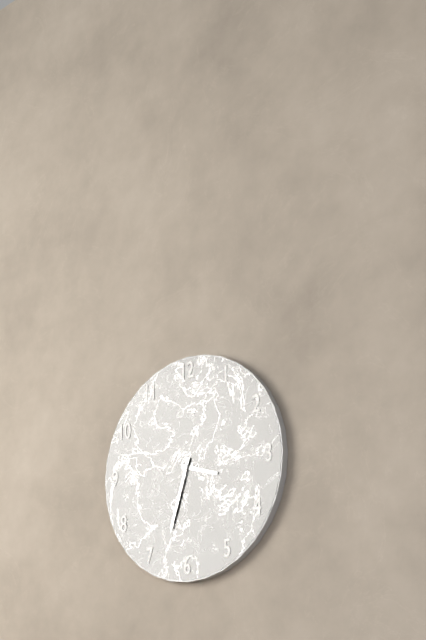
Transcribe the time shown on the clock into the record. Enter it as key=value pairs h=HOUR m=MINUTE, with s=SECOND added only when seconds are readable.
h=3 m=33
